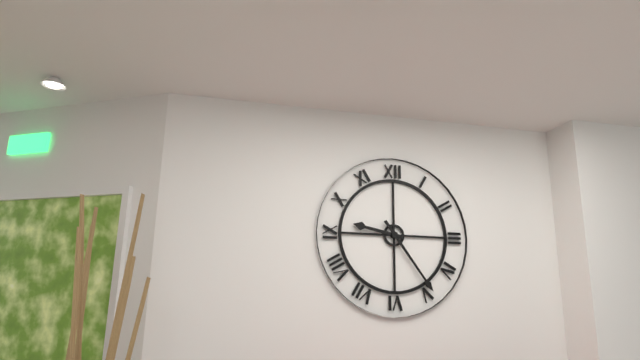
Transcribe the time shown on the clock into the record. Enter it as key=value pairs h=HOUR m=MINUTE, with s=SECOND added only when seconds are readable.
h=9 m=24
